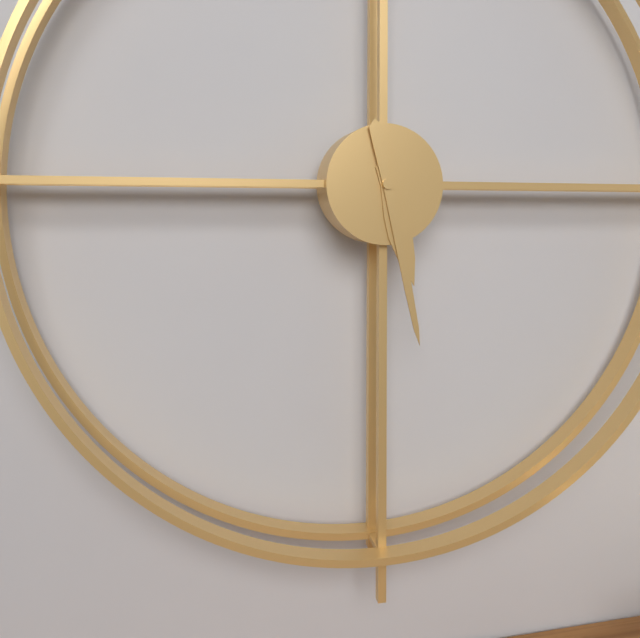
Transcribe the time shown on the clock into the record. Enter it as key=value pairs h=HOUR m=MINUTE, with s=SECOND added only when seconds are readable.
h=5 m=28
